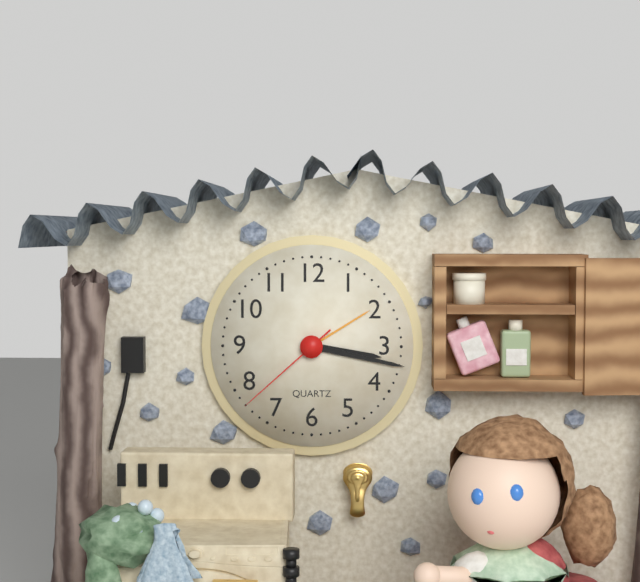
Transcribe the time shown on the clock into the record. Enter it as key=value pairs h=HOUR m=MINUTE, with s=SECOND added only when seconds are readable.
h=3 m=17 s=38
